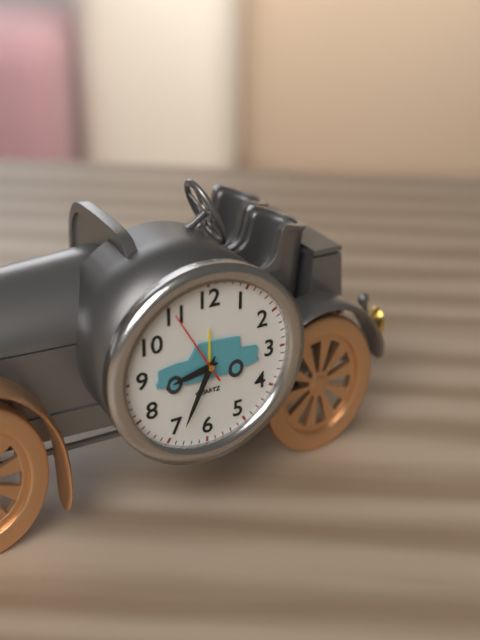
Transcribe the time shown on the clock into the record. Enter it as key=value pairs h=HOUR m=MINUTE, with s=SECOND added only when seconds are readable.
h=8 m=34 s=55
